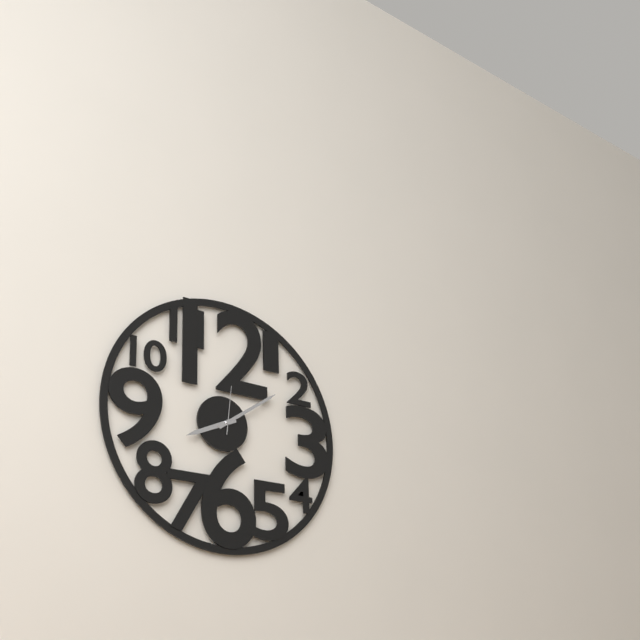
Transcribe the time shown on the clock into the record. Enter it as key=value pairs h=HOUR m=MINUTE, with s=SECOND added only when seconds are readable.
h=8 m=9
